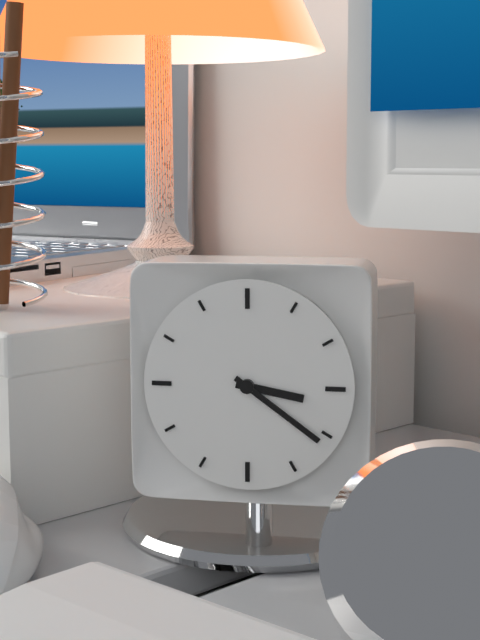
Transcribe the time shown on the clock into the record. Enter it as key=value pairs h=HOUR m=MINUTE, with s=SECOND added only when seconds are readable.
h=3 m=21
